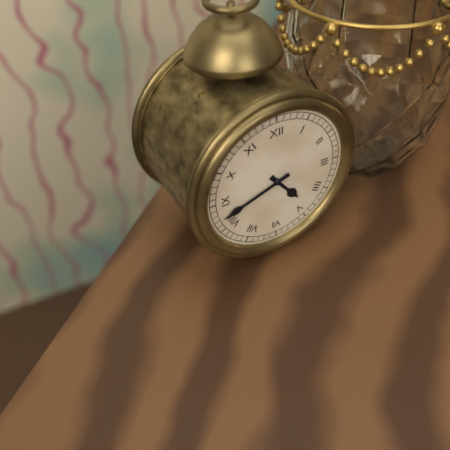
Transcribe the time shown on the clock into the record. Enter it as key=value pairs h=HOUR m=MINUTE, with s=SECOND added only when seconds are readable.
h=4 m=42
